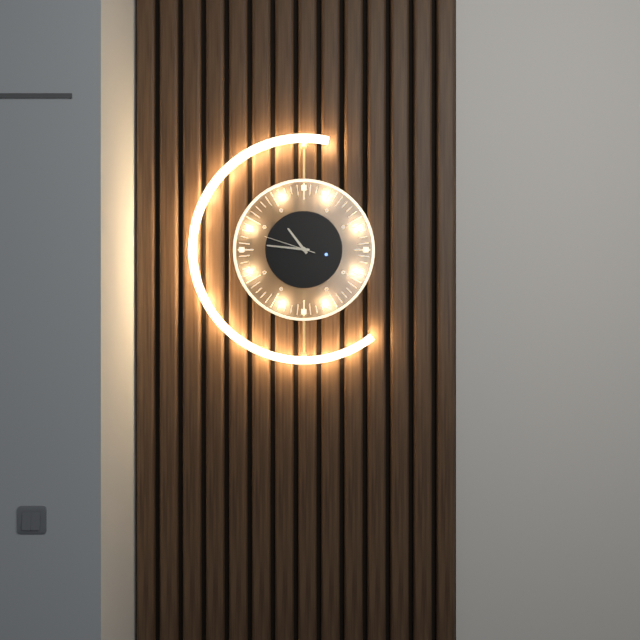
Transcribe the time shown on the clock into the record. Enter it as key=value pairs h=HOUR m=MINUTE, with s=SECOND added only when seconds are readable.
h=10 m=46 s=48
